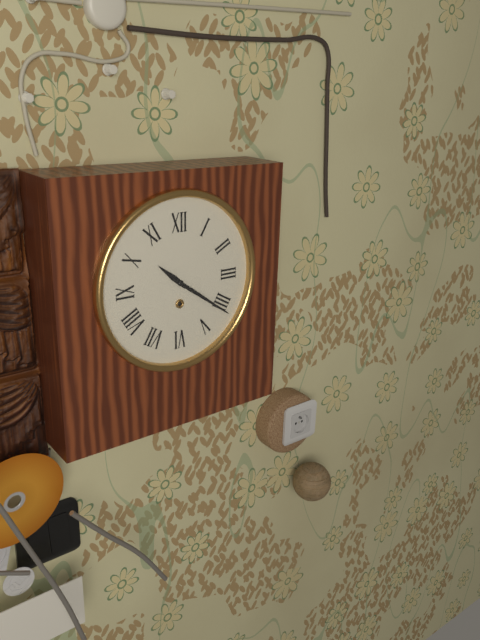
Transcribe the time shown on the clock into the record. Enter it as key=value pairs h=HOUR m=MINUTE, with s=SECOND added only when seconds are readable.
h=10 m=21
